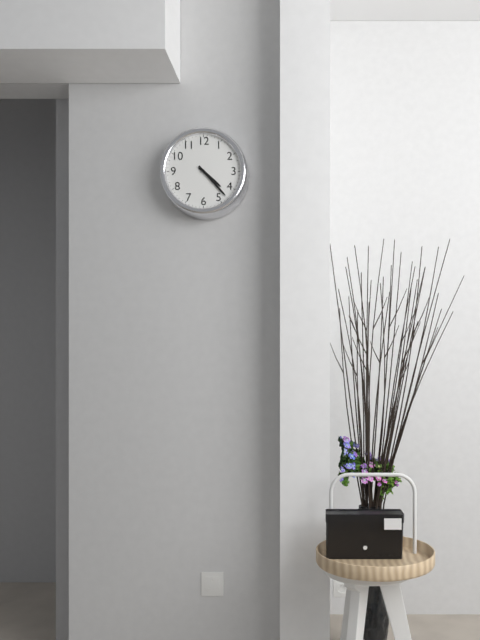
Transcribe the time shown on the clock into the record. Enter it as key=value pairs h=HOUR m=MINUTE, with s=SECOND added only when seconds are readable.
h=4 m=23
